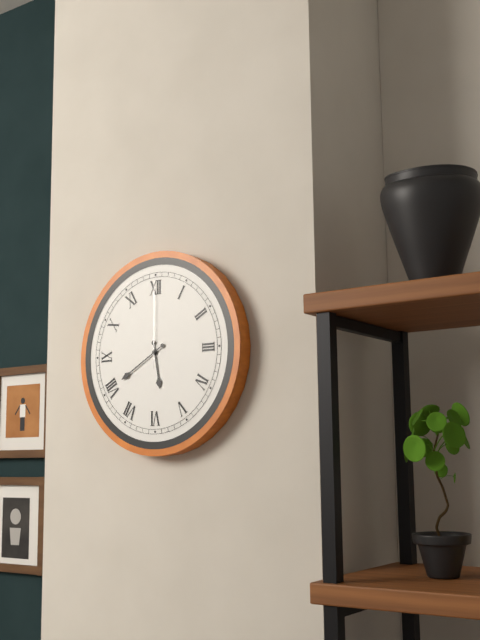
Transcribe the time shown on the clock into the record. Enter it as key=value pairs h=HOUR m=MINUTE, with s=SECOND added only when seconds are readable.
h=5 m=40 s=0
